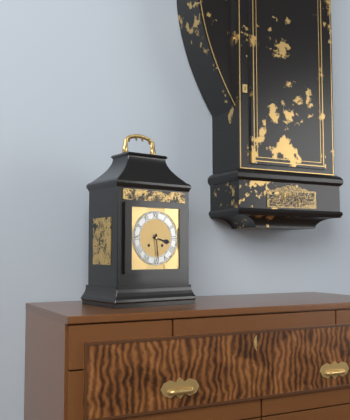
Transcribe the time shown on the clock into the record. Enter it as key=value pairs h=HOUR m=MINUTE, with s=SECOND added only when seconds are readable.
h=3 m=29
